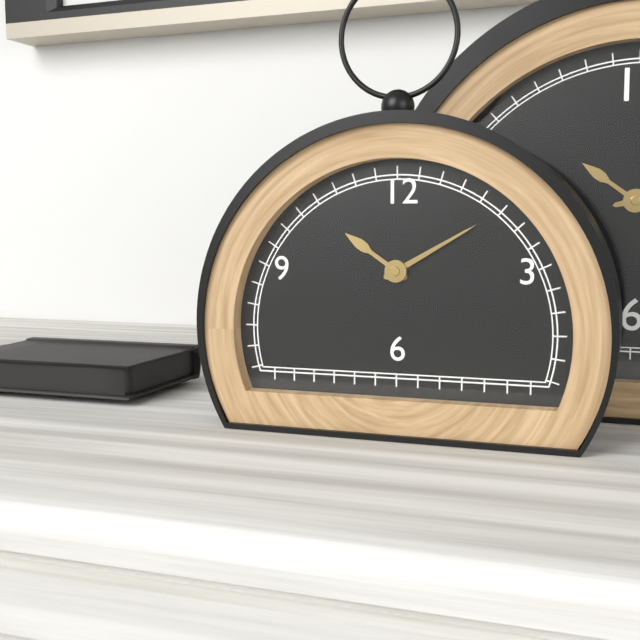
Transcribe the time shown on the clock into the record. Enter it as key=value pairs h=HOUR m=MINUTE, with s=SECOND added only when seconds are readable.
h=10 m=10
